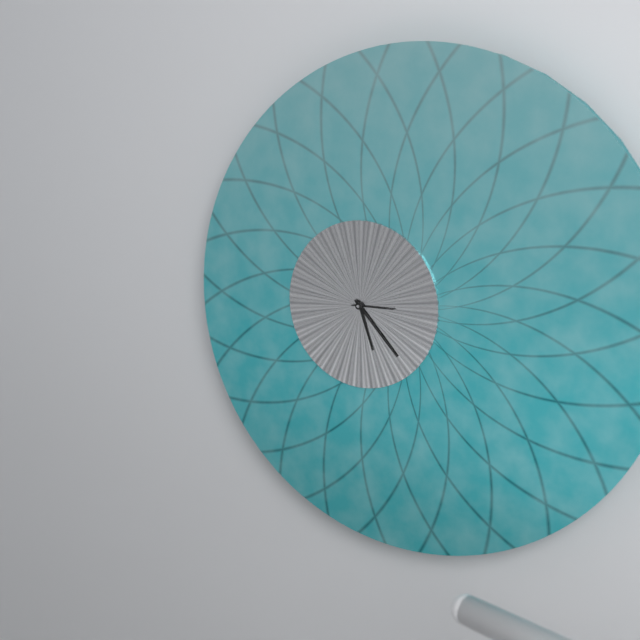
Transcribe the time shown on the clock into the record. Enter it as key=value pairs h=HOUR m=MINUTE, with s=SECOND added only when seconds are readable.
h=5 m=23
